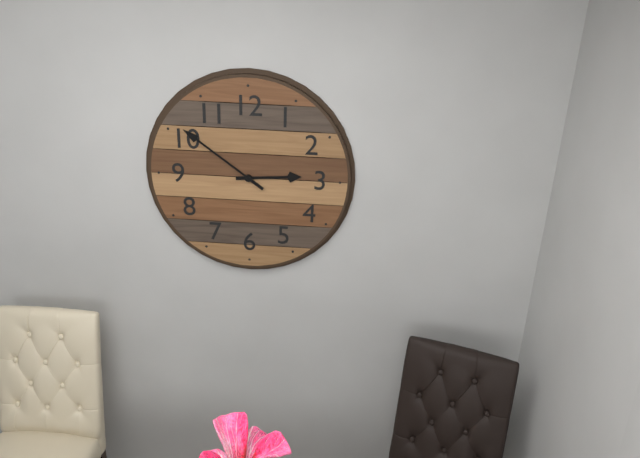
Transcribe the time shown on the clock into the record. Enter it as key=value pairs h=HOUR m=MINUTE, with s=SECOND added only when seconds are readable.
h=2 m=51
